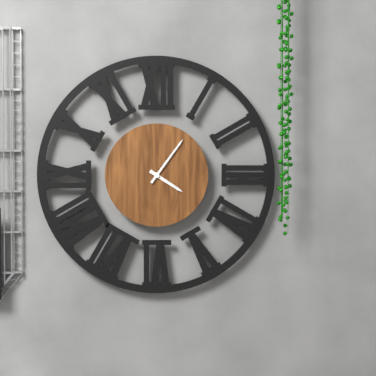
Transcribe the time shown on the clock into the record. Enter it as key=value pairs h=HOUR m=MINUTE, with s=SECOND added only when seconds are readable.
h=4 m=6
